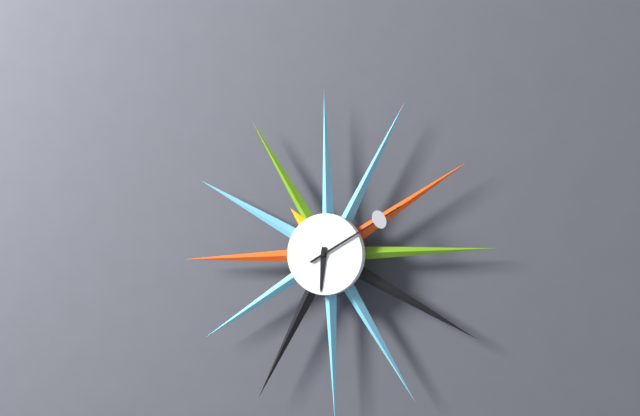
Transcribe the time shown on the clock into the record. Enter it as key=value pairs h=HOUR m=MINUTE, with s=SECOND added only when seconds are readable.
h=6 m=10
